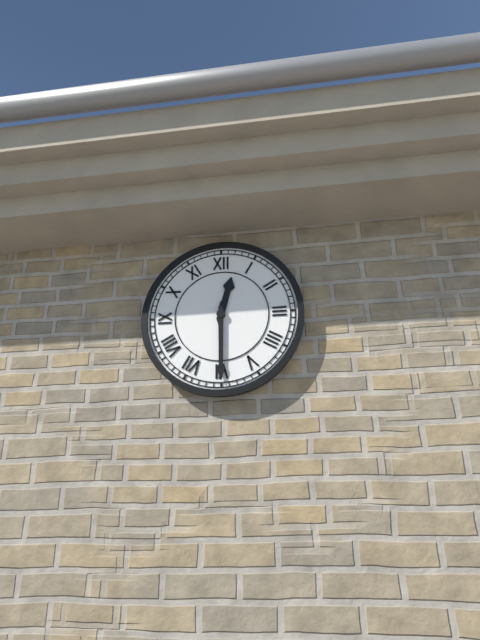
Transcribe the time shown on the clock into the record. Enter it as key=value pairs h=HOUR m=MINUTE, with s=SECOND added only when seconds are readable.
h=12 m=30
